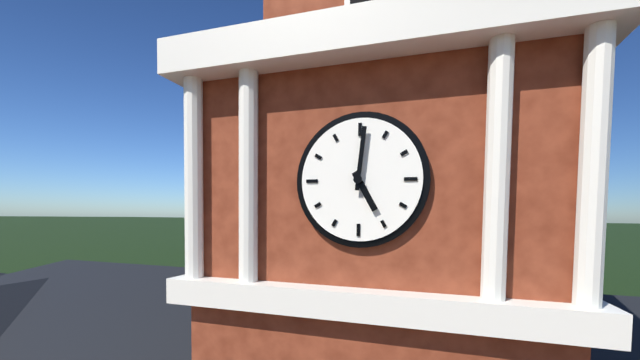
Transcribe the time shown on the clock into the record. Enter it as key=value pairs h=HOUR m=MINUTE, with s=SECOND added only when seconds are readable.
h=5 m=1
